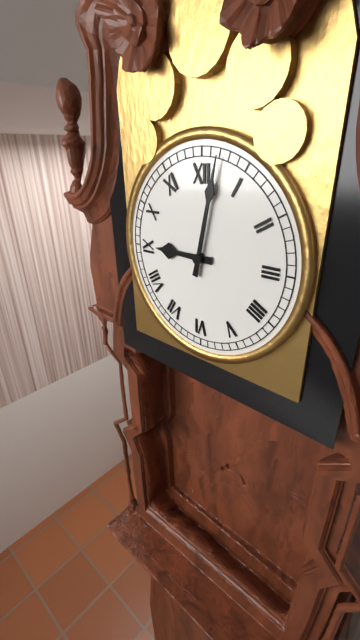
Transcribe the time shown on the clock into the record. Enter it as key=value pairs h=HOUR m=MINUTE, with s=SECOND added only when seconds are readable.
h=9 m=2
